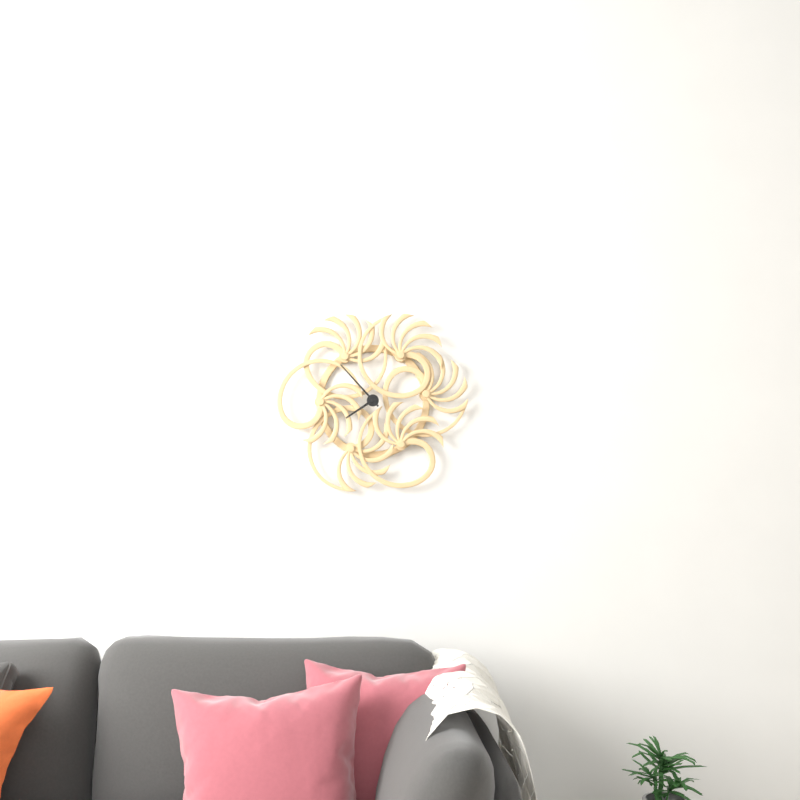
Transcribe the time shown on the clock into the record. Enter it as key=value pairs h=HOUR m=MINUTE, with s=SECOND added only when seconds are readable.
h=7 m=53
